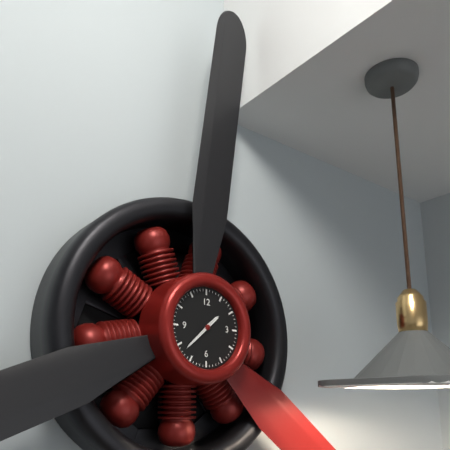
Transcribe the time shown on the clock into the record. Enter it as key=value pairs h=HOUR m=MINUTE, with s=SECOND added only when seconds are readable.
h=1 m=38
